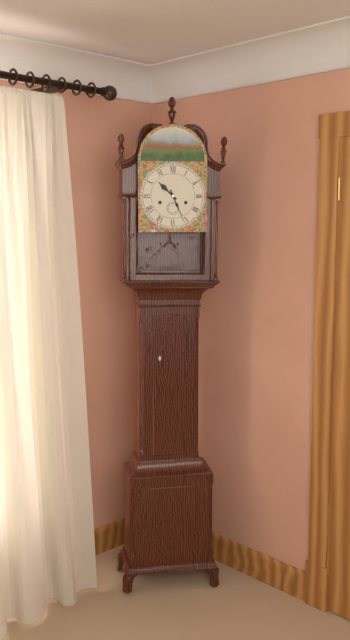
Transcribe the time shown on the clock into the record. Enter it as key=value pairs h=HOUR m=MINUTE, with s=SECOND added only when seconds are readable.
h=10 m=26
